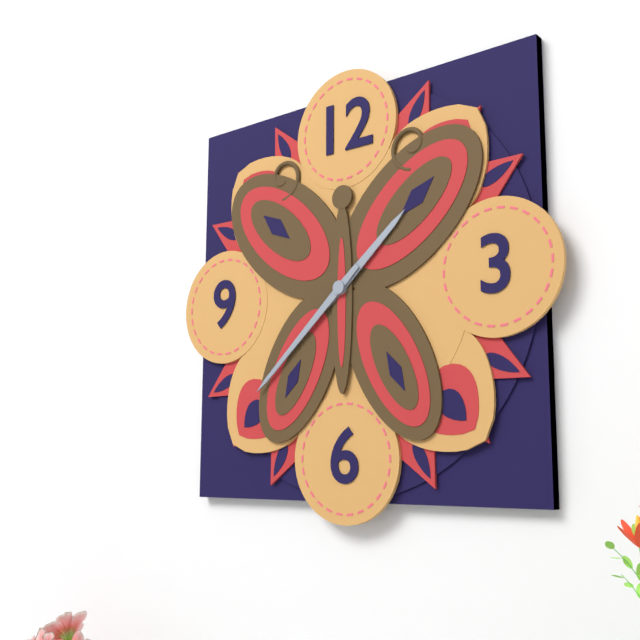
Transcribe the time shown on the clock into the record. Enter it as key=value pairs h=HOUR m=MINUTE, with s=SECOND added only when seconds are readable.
h=1 m=38
